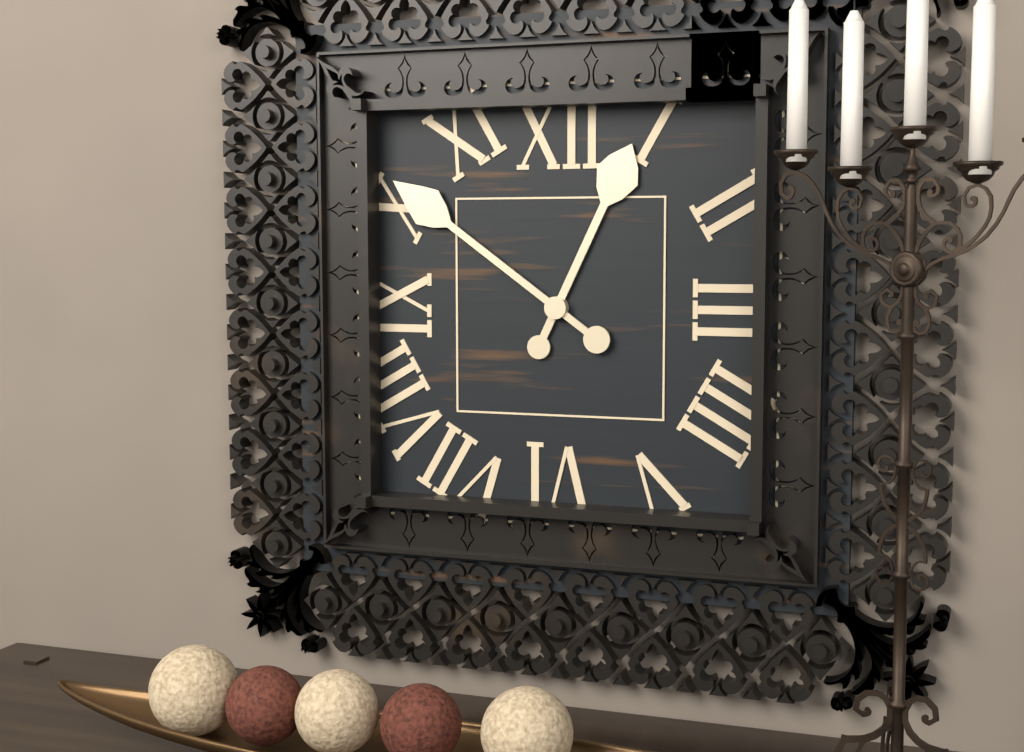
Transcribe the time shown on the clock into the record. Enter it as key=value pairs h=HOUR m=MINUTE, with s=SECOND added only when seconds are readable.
h=12 m=51
